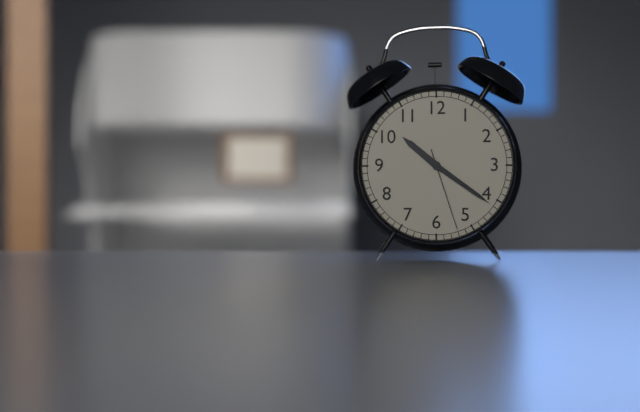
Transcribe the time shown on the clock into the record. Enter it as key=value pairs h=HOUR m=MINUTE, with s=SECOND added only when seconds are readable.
h=10 m=21 s=27
